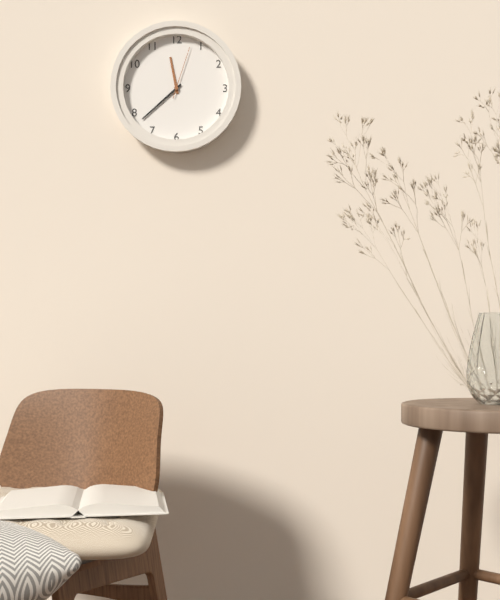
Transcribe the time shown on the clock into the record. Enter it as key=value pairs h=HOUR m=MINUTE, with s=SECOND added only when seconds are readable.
h=11 m=38 s=3
